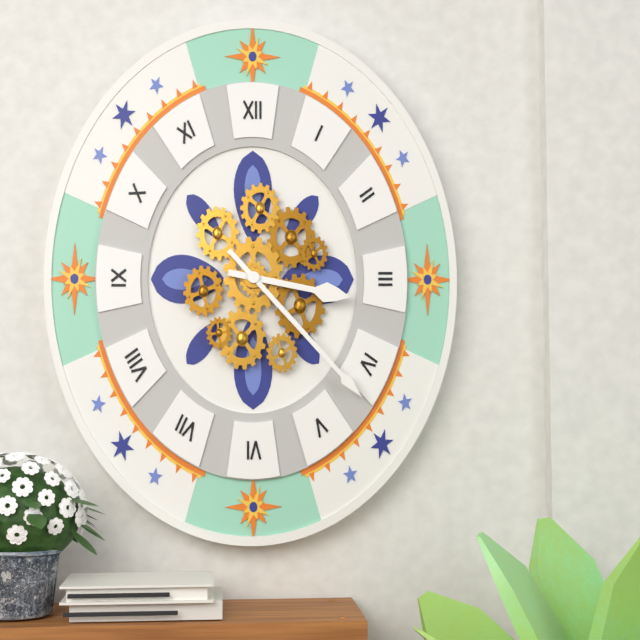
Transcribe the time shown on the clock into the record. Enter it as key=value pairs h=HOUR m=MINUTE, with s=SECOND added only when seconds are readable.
h=3 m=23
